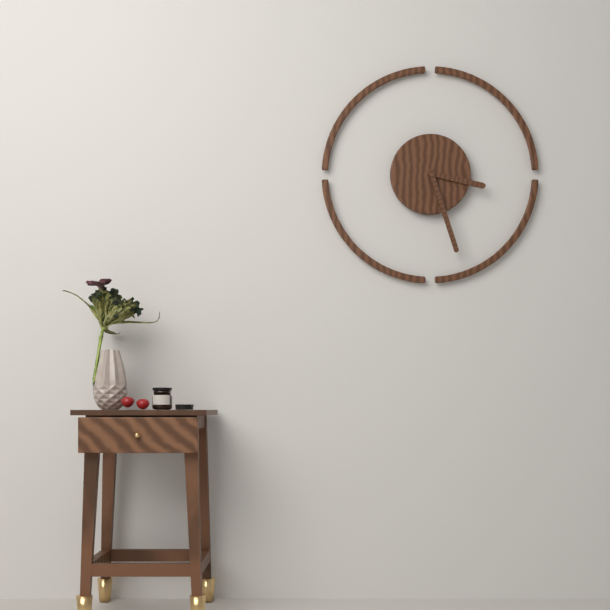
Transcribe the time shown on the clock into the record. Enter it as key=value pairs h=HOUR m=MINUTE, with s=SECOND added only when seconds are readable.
h=3 m=27
